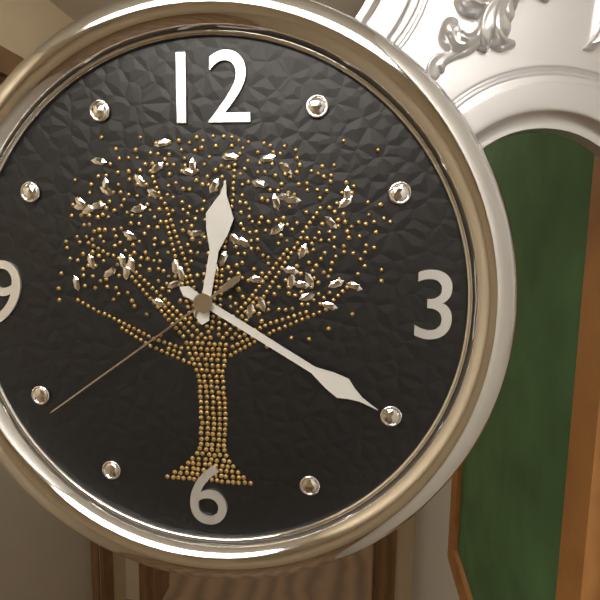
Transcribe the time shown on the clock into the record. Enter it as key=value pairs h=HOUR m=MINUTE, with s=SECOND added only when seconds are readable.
h=12 m=20 s=39
